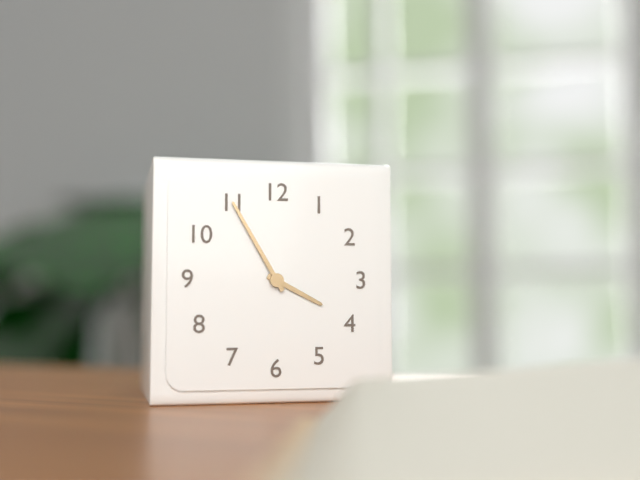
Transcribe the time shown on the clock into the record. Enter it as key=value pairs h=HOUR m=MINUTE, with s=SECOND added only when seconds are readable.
h=3 m=55
